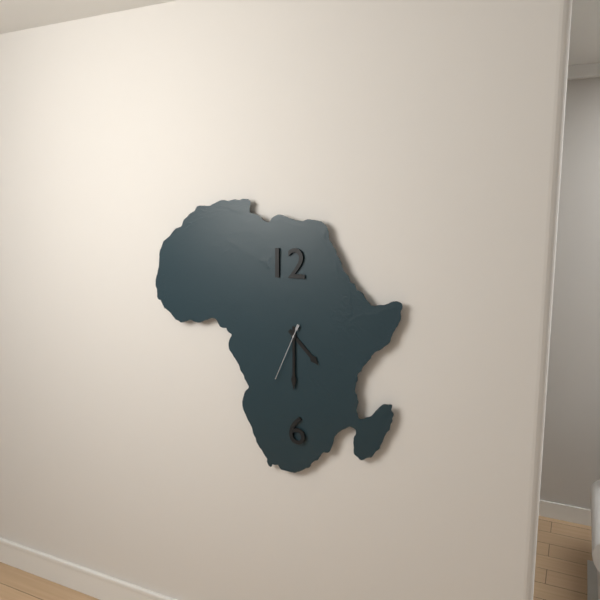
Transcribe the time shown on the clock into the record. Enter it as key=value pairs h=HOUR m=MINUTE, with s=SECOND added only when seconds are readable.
h=4 m=30 s=34
